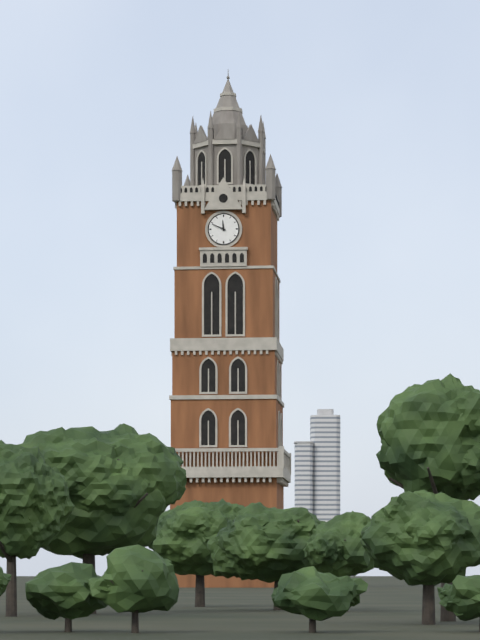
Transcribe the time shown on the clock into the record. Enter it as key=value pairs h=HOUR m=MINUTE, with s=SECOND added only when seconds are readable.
h=11 m=49
